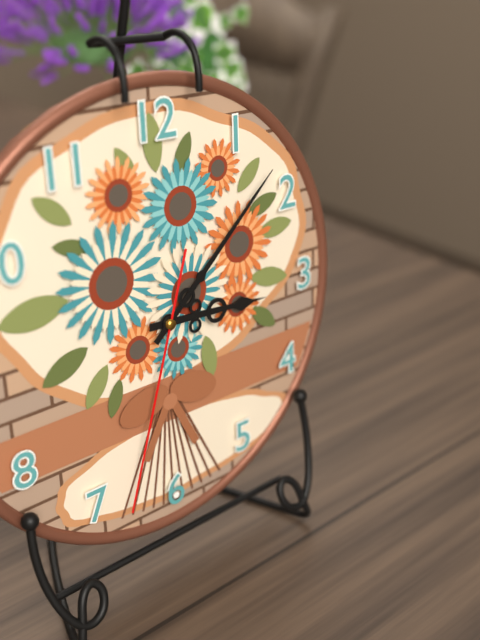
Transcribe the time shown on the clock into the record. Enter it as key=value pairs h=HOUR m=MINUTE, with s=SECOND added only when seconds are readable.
h=3 m=8 s=33
